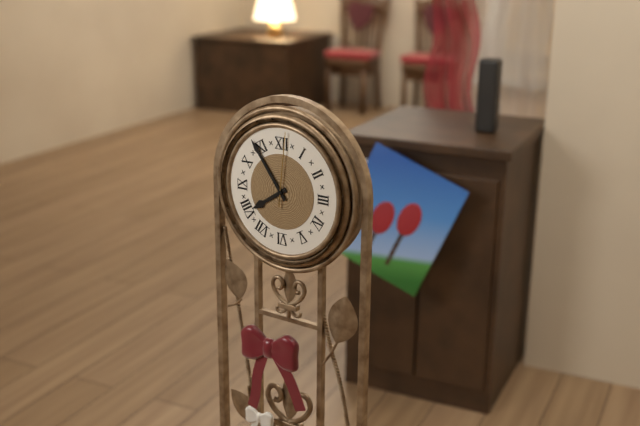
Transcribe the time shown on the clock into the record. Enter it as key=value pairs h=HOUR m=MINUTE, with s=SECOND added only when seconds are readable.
h=7 m=54 s=1
